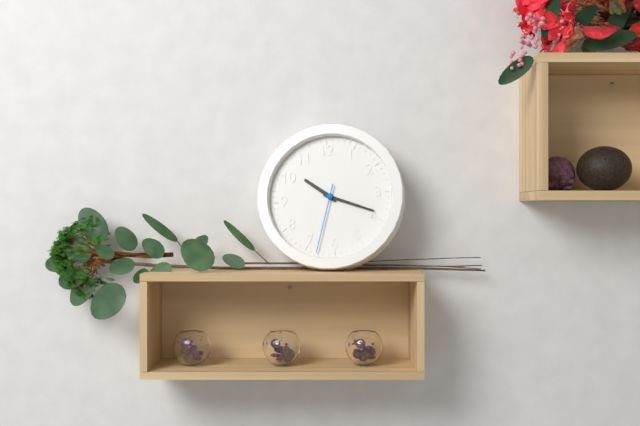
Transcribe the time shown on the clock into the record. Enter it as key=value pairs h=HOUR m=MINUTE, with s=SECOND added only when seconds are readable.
h=10 m=19 s=33
